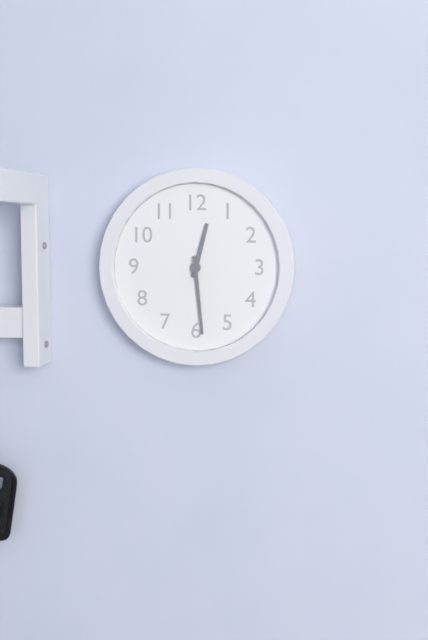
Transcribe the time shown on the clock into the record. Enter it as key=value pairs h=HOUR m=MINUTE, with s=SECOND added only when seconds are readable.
h=12 m=29
